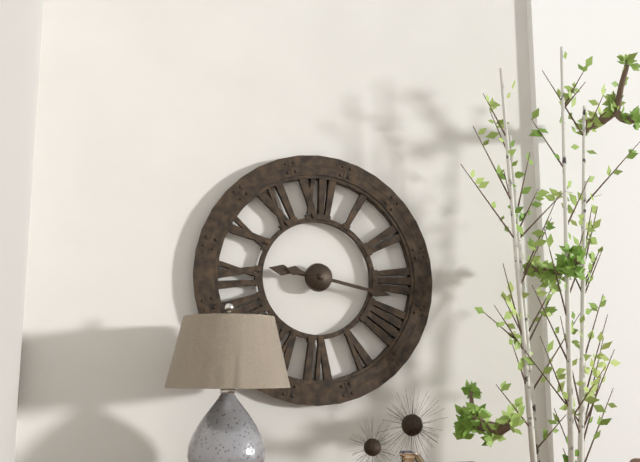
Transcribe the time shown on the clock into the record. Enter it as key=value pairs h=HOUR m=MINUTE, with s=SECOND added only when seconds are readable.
h=9 m=17
